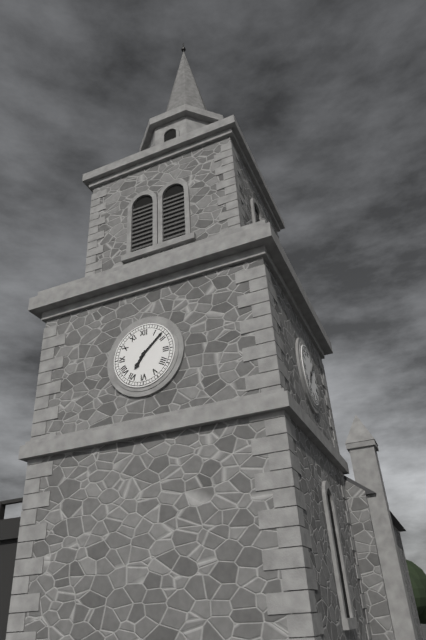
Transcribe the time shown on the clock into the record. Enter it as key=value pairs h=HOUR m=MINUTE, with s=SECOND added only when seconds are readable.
h=7 m=8
